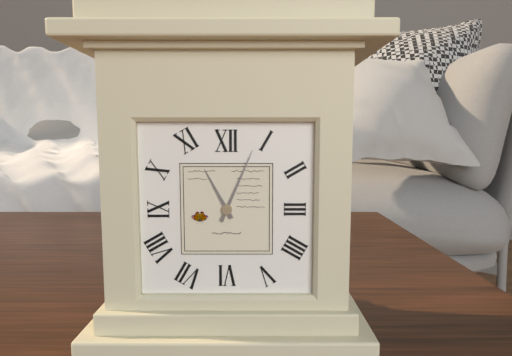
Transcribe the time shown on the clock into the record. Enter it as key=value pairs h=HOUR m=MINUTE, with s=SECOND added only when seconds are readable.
h=11 m=4
